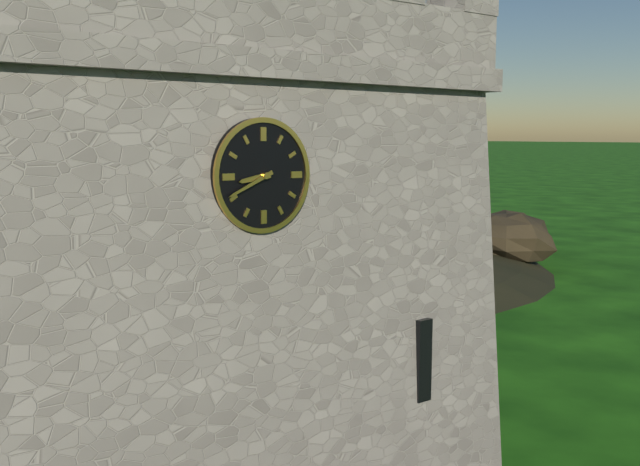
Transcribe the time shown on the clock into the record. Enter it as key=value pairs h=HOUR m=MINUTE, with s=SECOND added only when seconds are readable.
h=8 m=41
